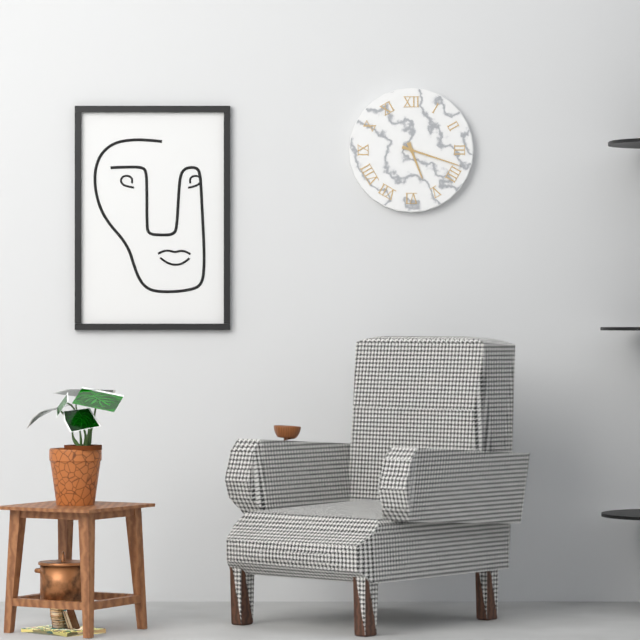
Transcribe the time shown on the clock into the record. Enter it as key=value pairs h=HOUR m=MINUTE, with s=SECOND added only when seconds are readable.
h=5 m=18
